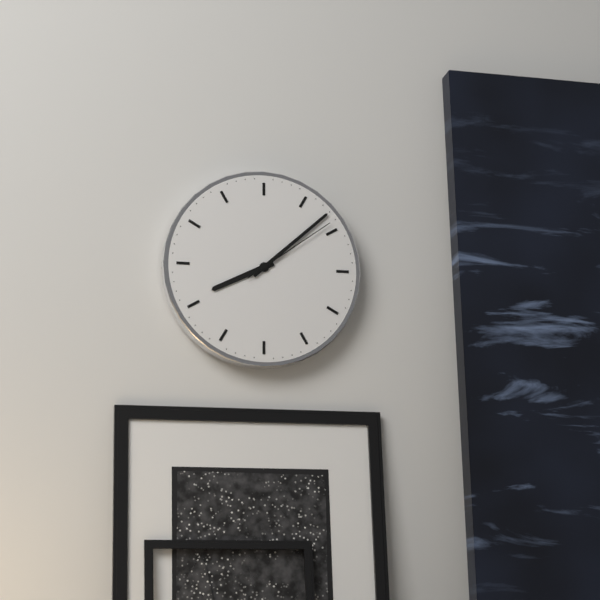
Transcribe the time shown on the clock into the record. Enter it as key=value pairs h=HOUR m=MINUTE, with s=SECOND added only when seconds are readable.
h=8 m=8 s=9
